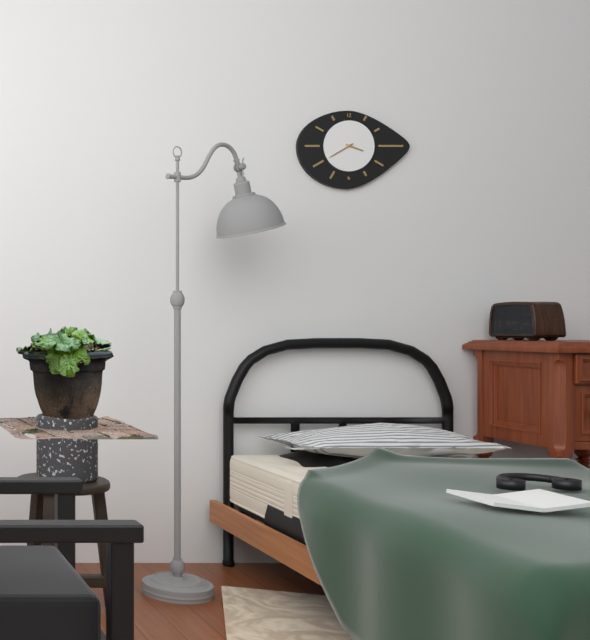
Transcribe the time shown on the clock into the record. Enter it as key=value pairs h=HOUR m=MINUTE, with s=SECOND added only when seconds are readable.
h=3 m=40
